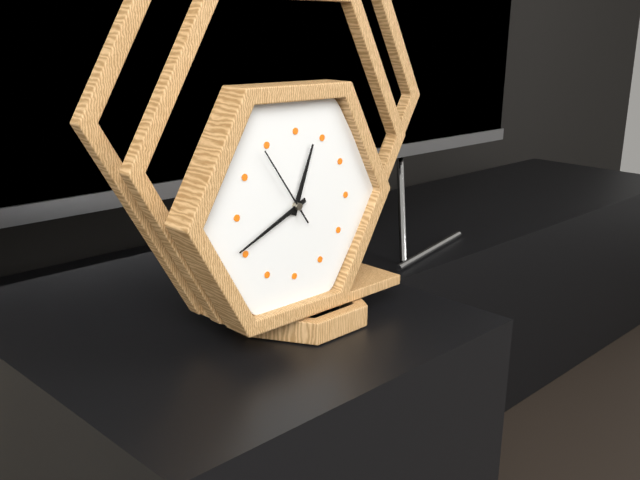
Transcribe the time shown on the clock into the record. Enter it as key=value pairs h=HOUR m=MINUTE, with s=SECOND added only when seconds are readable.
h=12 m=41 s=54
